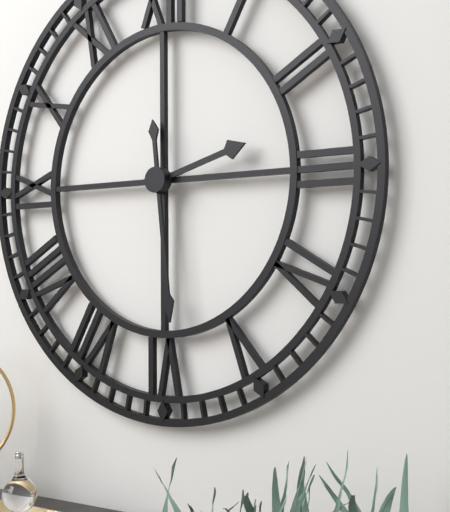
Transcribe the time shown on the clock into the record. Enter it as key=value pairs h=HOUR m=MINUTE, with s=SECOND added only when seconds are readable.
h=2 m=29
